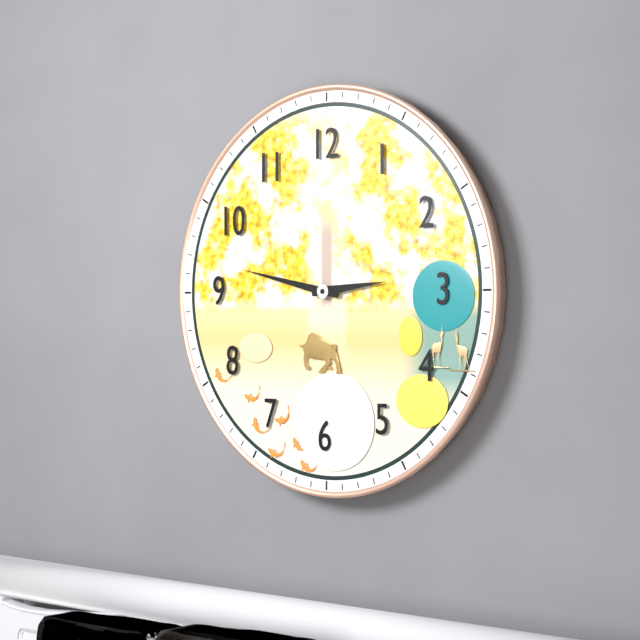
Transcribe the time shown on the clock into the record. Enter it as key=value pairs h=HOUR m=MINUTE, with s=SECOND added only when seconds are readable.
h=2 m=47
